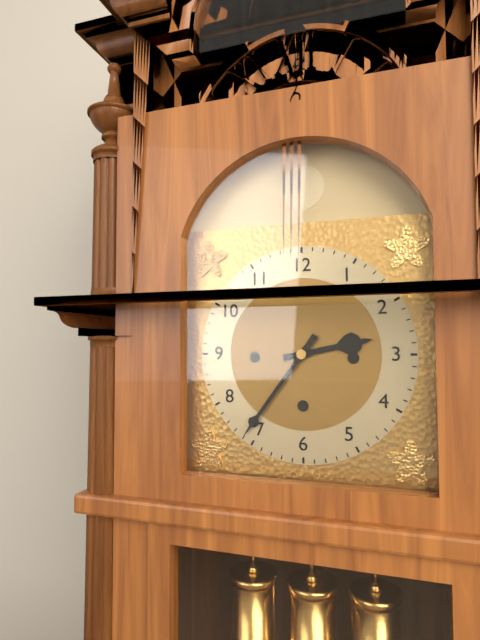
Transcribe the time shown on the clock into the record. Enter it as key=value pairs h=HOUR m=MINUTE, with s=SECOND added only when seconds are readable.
h=2 m=36
